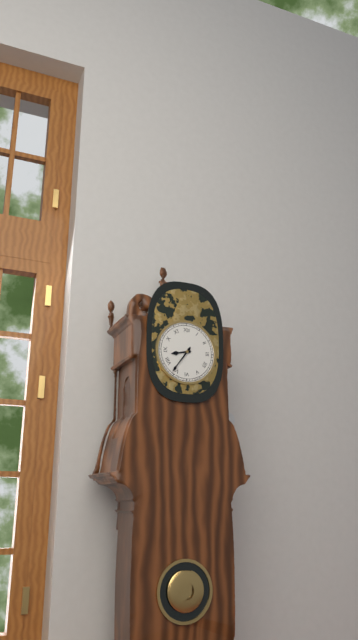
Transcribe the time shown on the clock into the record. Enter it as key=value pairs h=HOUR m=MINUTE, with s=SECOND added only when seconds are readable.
h=8 m=36
